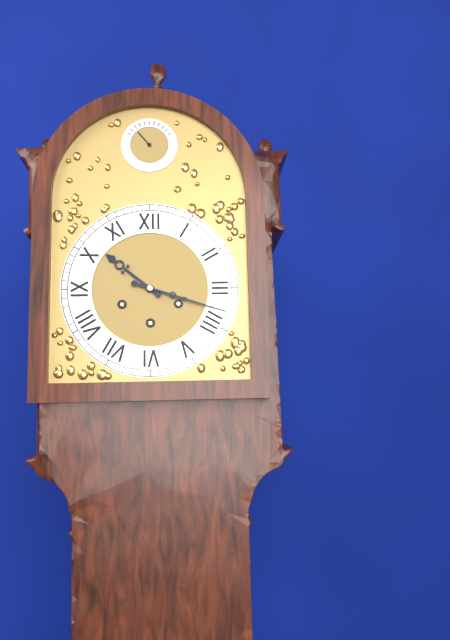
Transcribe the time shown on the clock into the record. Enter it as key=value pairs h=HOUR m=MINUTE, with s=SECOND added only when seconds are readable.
h=10 m=18
